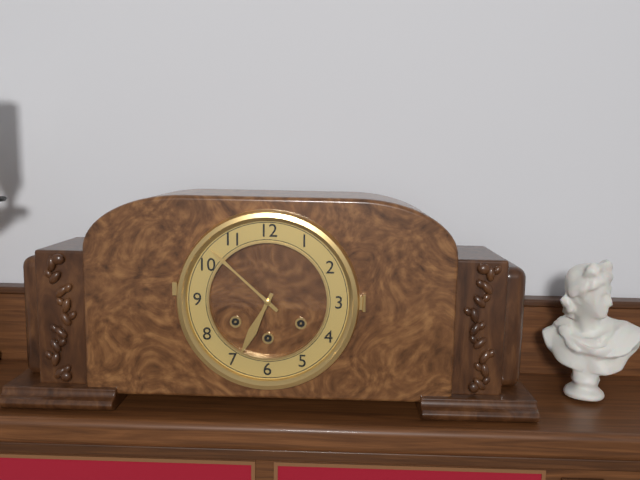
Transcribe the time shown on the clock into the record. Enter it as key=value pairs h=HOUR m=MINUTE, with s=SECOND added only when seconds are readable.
h=6 m=52
